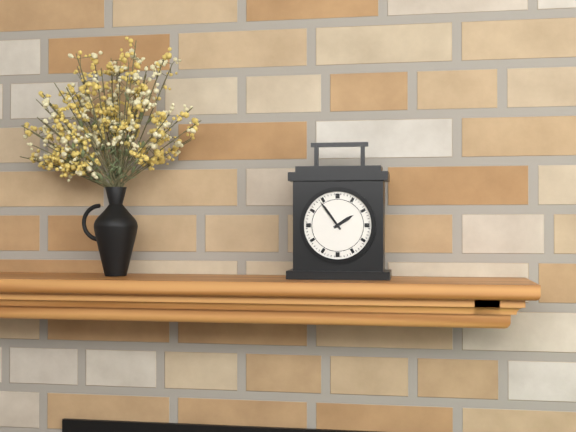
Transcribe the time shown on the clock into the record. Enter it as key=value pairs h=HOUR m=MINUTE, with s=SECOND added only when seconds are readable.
h=1 m=54
